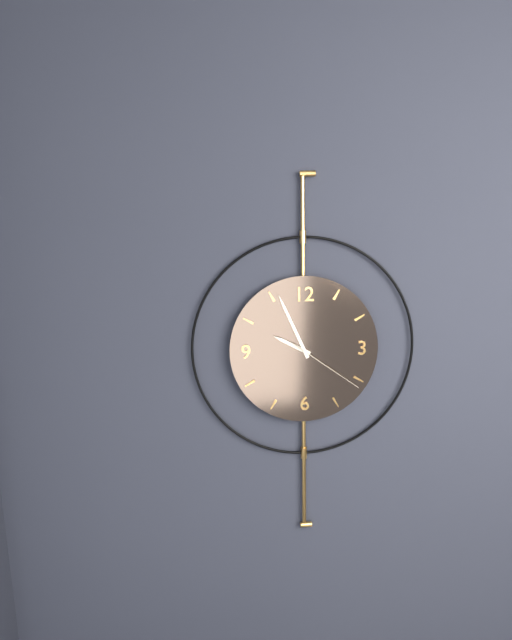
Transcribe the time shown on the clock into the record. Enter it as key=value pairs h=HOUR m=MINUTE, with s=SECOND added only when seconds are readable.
h=9 m=56 s=21
